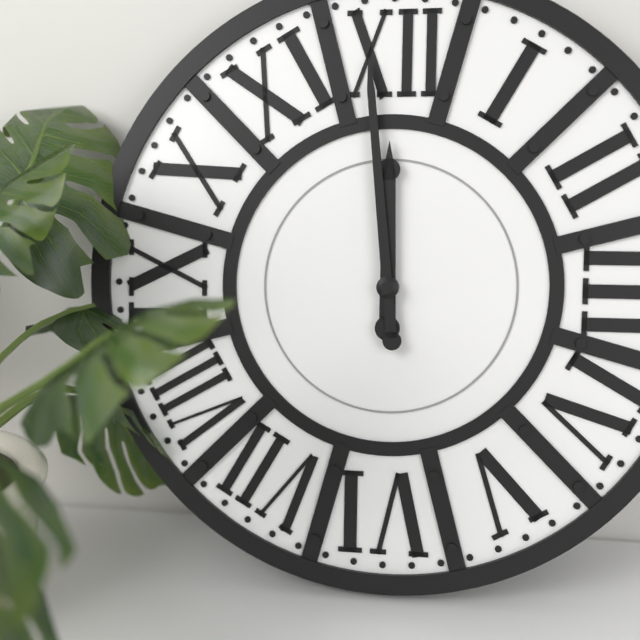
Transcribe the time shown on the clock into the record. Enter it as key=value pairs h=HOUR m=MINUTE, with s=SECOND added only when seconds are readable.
h=11 m=59
